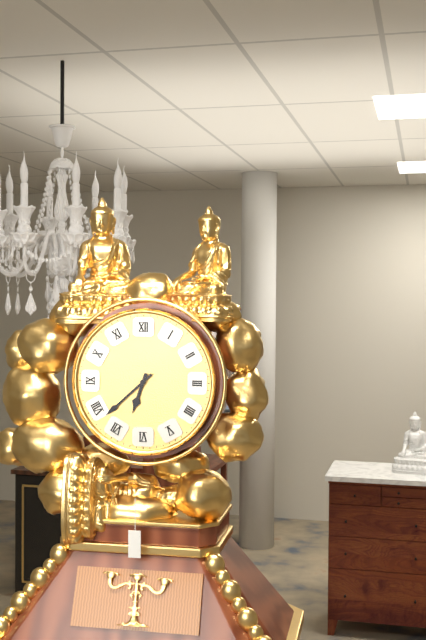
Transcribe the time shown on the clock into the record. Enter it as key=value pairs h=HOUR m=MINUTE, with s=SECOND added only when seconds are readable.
h=6 m=38
